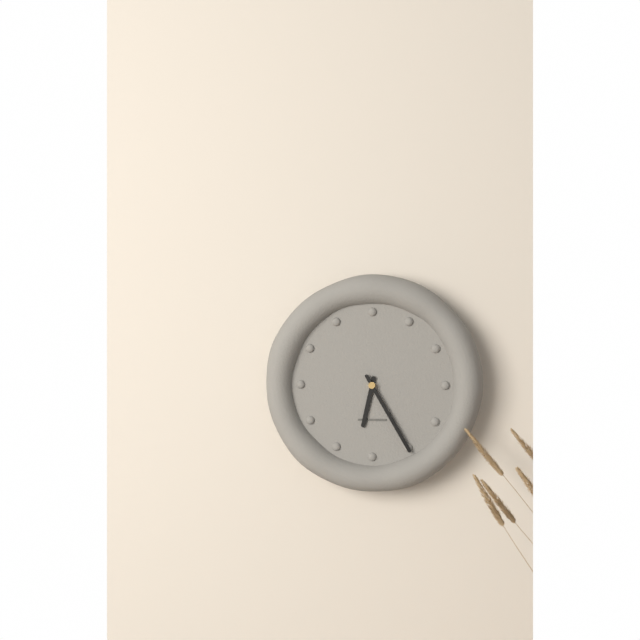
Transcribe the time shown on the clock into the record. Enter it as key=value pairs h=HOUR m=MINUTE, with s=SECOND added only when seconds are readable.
h=6 m=25
